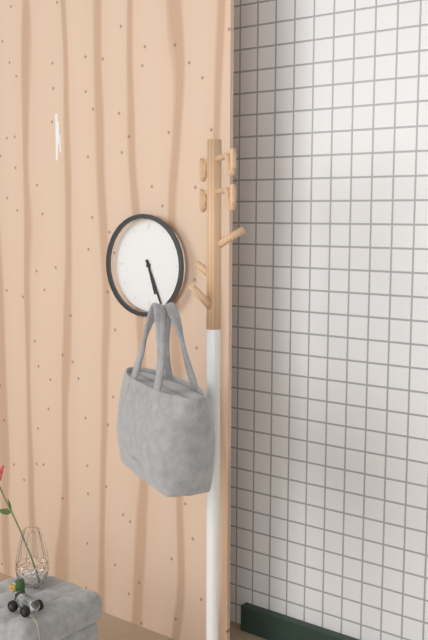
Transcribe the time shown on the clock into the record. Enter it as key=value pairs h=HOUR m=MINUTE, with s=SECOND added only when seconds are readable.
h=5 m=26
